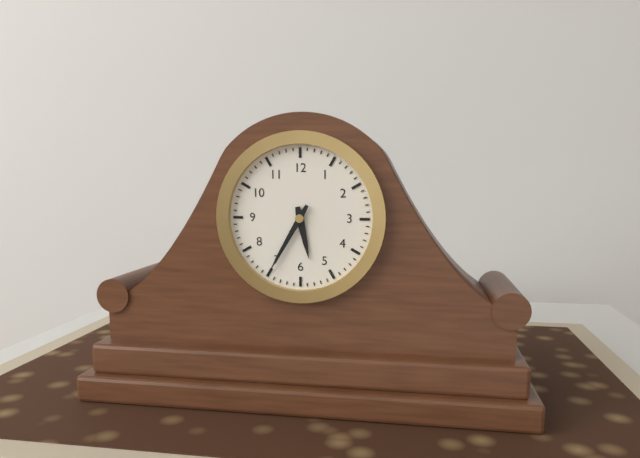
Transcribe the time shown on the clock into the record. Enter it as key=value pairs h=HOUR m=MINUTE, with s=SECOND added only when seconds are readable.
h=5 m=35
